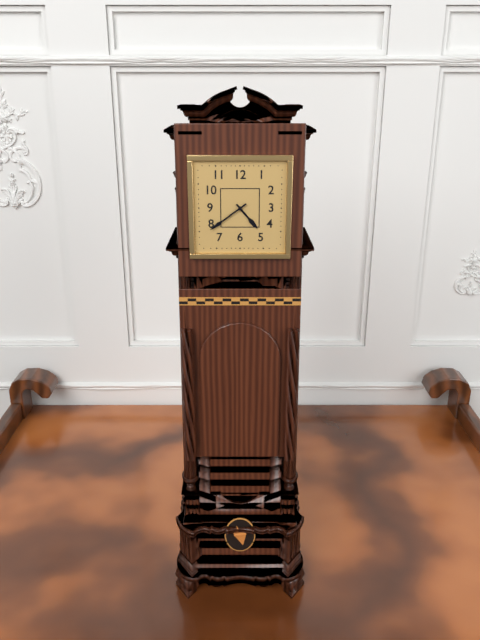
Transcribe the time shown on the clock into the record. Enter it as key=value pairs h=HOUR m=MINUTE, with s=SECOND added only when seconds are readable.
h=4 m=39
